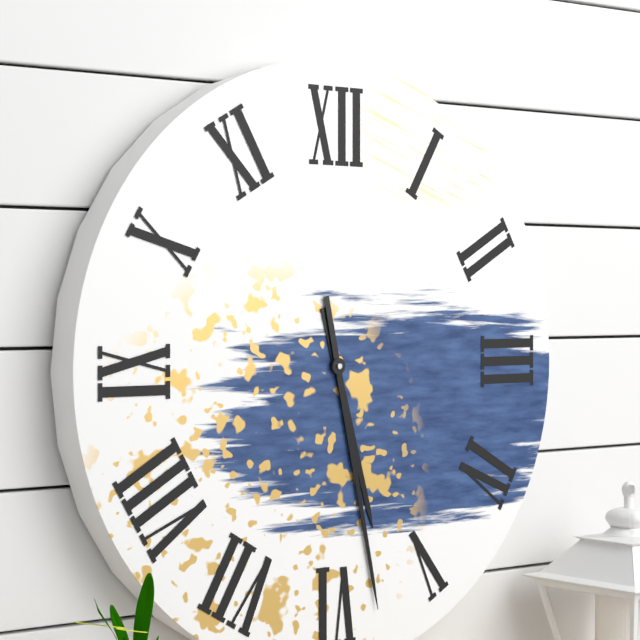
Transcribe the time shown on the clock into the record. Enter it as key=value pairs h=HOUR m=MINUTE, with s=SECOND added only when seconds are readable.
h=5 m=28
